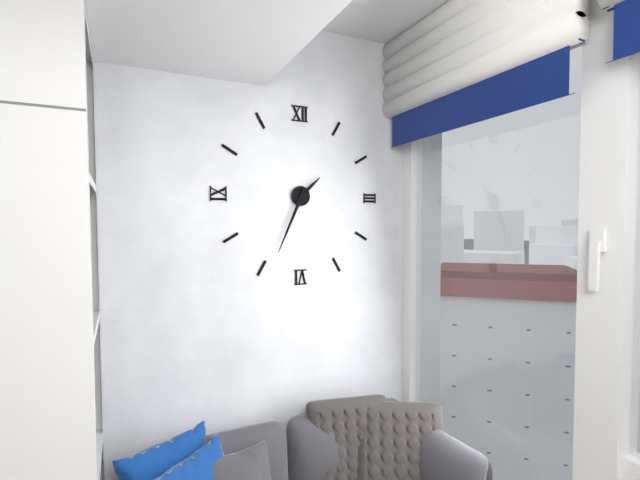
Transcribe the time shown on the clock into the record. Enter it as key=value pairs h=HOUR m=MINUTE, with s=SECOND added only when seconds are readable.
h=1 m=34
